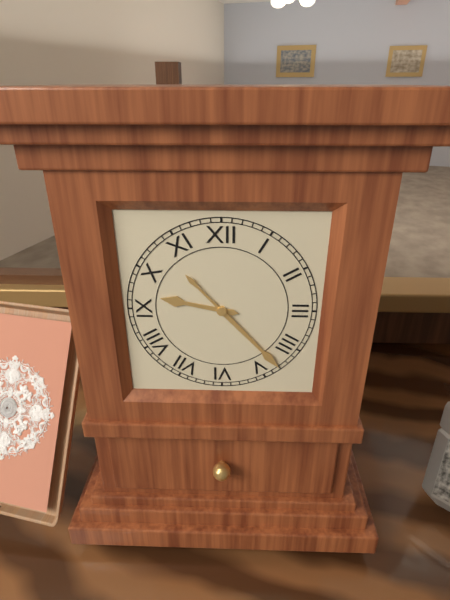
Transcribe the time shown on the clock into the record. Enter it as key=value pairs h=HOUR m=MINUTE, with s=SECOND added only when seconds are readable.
h=9 m=23
